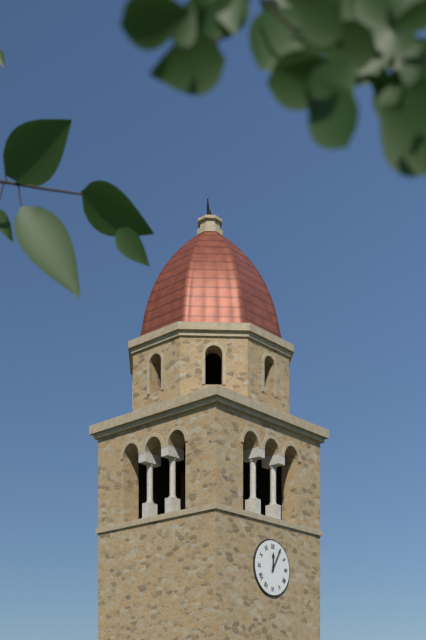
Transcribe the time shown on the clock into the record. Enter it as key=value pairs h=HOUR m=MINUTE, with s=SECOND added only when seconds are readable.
h=12 m=5
